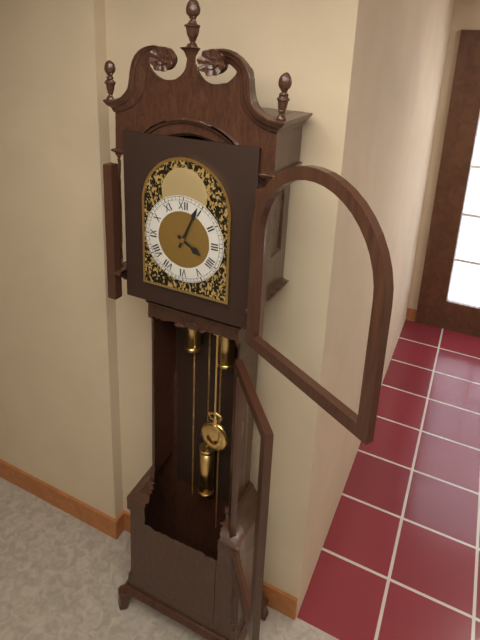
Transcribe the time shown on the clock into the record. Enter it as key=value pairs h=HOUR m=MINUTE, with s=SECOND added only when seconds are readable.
h=4 m=4
